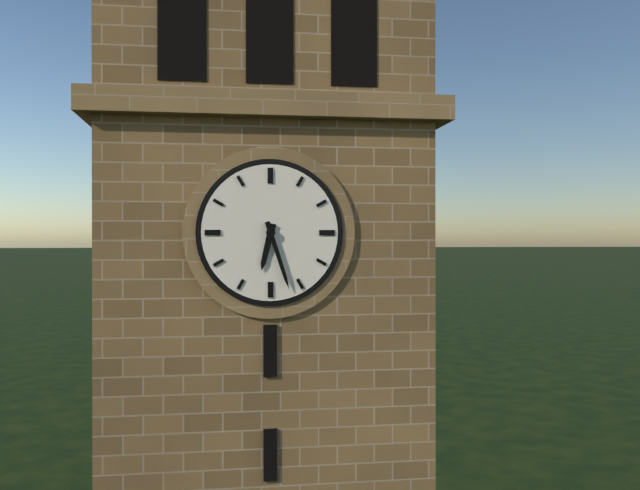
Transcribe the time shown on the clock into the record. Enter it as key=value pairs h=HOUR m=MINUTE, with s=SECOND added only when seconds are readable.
h=6 m=27
